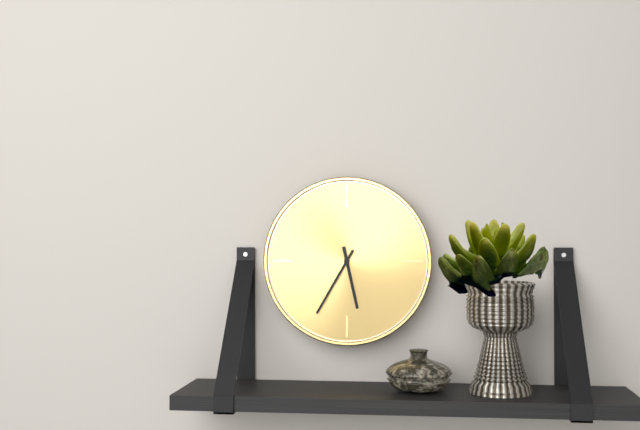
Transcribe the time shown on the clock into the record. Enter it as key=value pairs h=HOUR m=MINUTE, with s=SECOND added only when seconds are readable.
h=5 m=35
